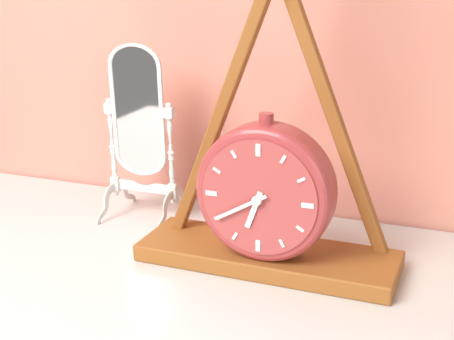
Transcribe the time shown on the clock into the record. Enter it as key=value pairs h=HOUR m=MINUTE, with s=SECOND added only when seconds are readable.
h=6 m=40
